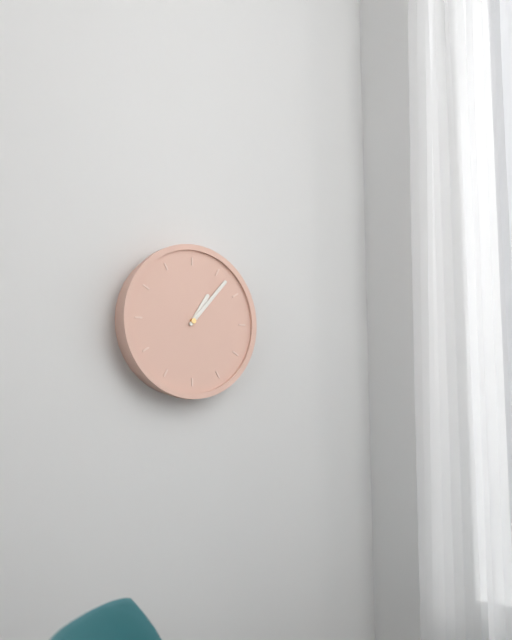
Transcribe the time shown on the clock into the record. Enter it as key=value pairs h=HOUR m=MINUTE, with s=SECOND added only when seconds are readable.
h=1 m=7
